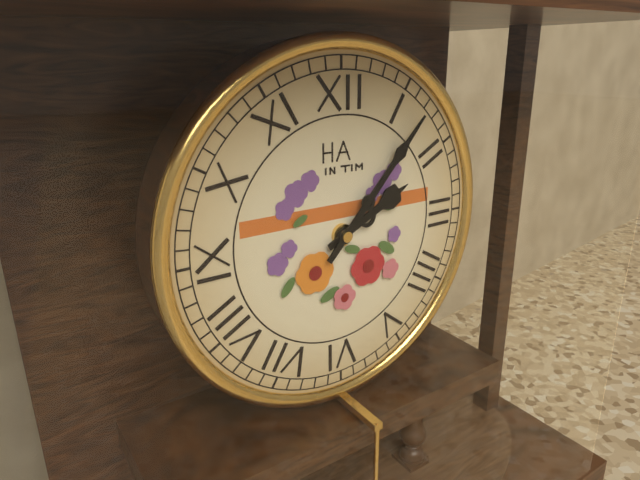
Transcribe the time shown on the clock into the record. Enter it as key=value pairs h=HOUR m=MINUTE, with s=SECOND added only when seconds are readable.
h=2 m=7
